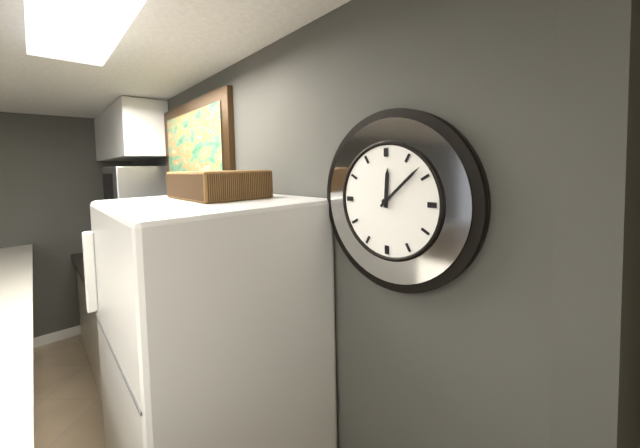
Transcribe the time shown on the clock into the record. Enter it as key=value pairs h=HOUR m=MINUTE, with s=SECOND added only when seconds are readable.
h=12 m=8
